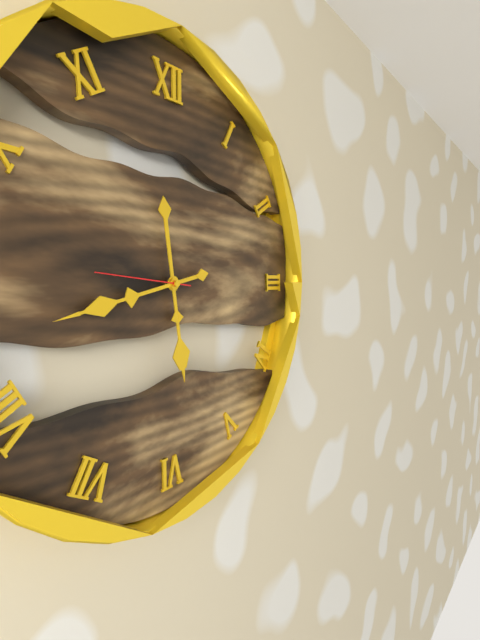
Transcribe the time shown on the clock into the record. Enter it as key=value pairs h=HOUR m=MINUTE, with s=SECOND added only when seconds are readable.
h=5 m=43 s=46
